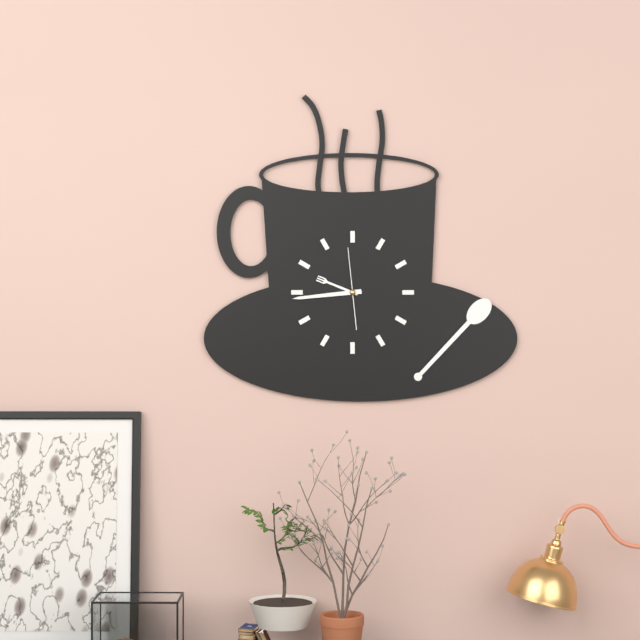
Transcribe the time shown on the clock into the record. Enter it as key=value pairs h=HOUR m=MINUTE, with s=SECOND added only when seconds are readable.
h=9 m=44 s=59
